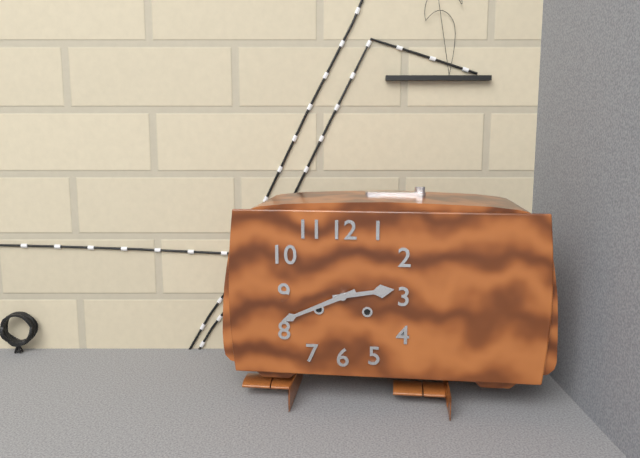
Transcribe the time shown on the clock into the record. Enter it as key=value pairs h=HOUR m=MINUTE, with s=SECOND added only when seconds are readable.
h=2 m=41
